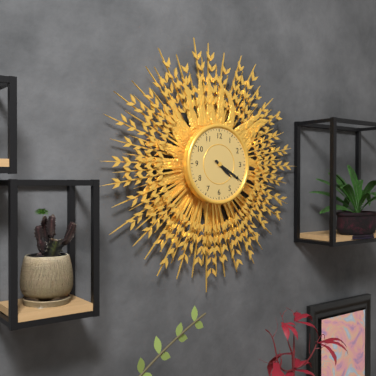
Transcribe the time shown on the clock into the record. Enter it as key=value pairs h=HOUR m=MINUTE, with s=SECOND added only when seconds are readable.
h=4 m=20
